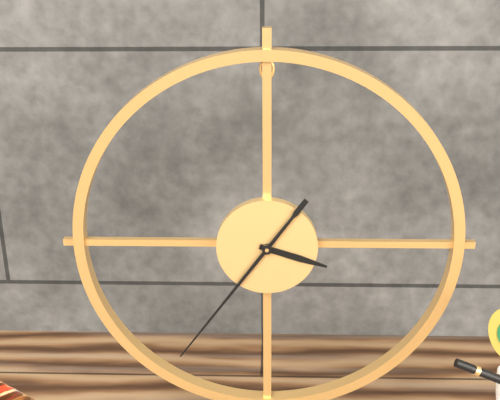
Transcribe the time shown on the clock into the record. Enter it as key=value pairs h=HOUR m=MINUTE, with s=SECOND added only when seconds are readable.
h=3 m=36
